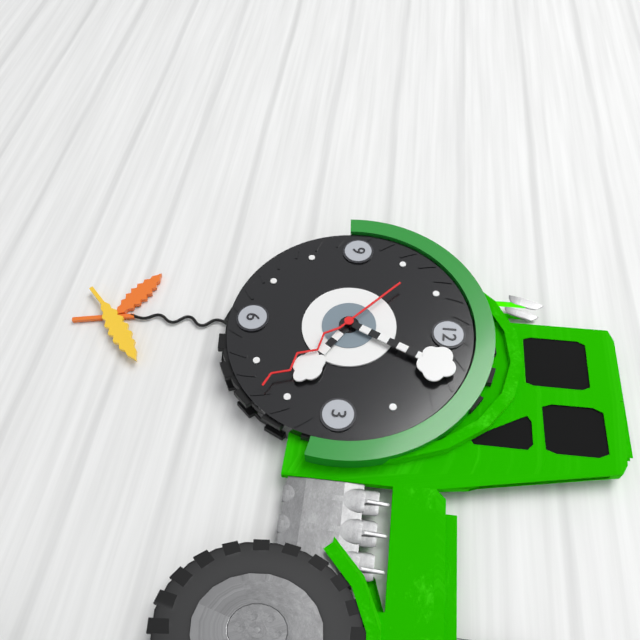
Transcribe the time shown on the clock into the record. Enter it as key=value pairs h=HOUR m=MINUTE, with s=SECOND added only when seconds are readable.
h=4 m=4 s=22
